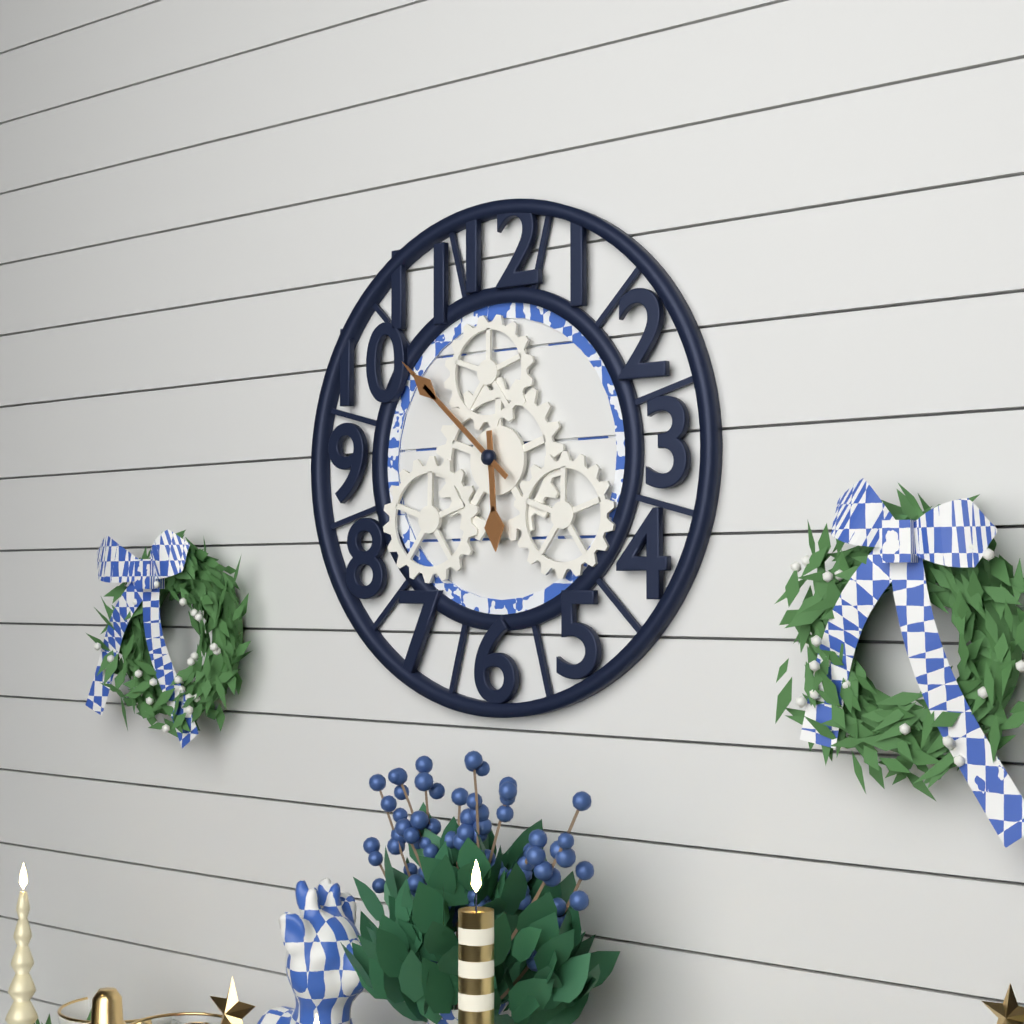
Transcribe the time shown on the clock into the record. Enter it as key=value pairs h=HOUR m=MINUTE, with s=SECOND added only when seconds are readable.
h=5 m=52
